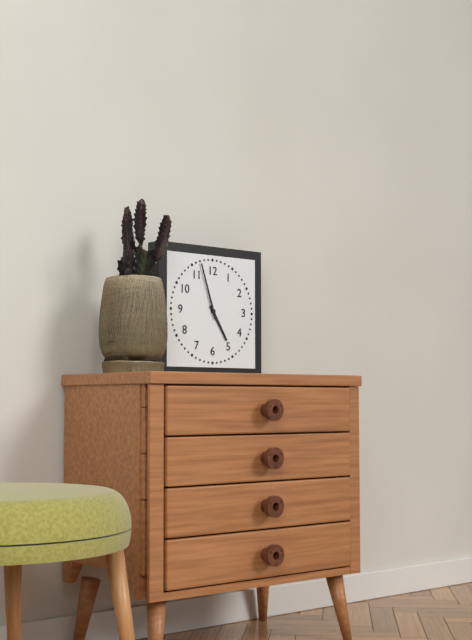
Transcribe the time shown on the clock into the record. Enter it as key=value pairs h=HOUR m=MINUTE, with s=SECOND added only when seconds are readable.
h=4 m=57
